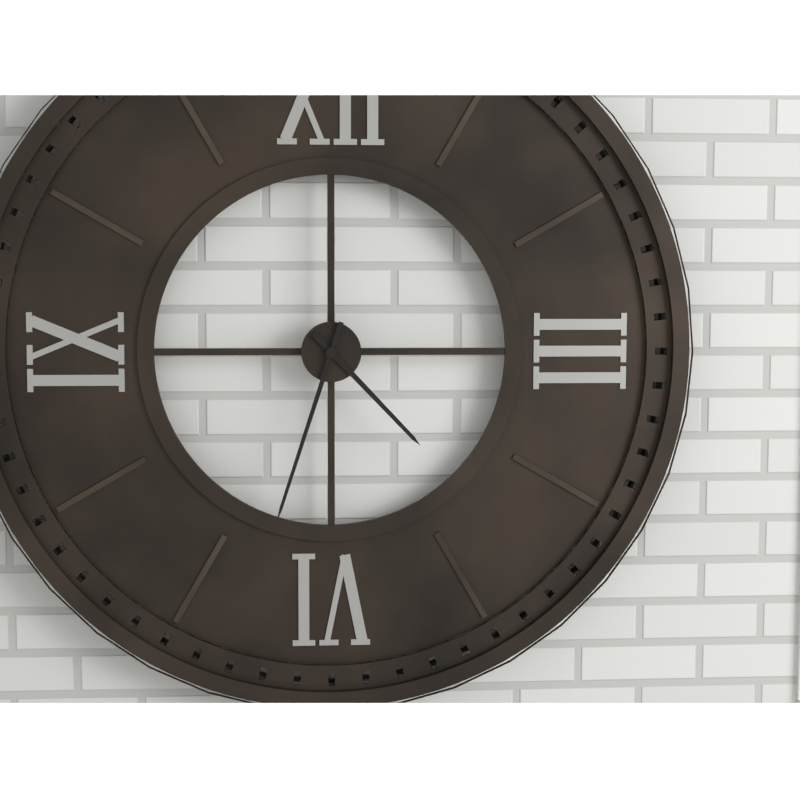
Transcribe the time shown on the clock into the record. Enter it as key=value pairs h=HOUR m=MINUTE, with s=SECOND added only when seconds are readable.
h=4 m=33
